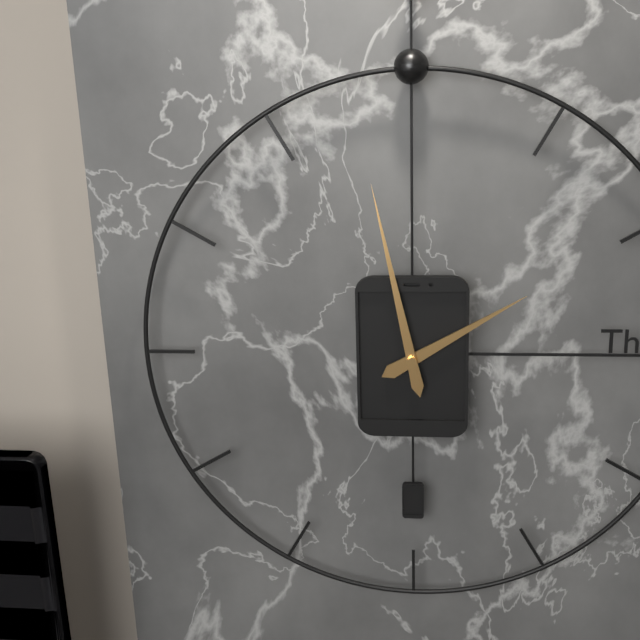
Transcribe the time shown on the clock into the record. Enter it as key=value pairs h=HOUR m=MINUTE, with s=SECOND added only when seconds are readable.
h=1 m=58
